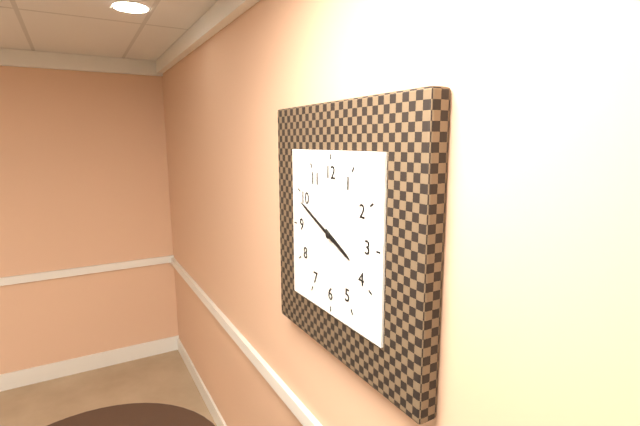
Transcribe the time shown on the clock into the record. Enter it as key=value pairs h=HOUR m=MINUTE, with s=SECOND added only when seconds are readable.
h=3 m=49
